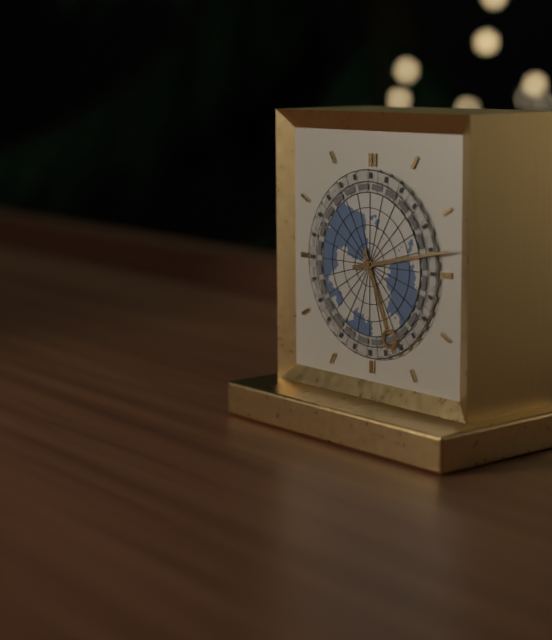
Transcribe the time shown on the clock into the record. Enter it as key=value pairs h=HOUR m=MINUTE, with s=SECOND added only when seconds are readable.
h=5 m=13
